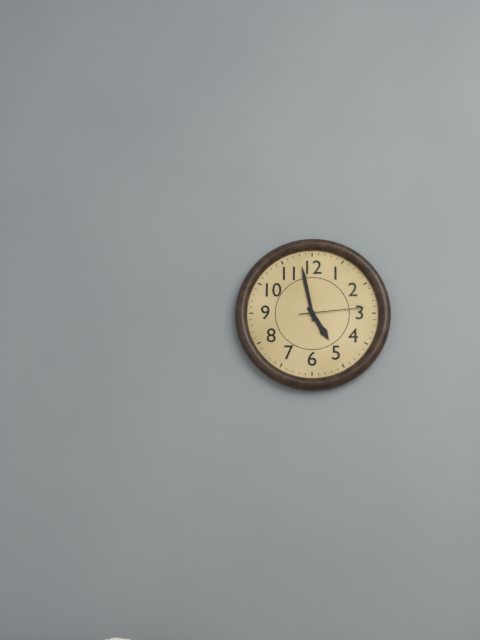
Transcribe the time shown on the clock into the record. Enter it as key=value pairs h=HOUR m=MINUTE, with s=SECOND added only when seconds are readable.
h=4 m=58 s=14
